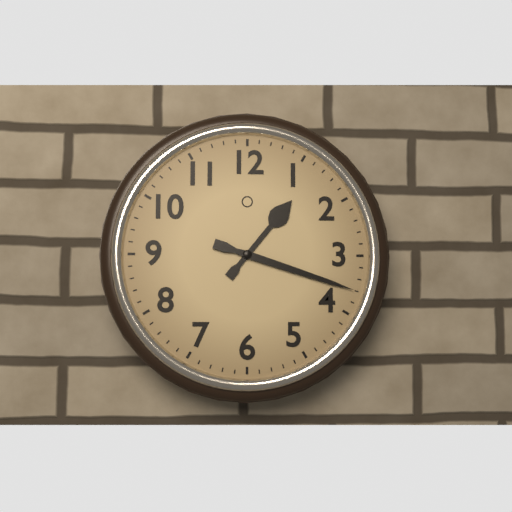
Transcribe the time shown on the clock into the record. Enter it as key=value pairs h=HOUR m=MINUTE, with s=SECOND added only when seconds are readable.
h=1 m=18
